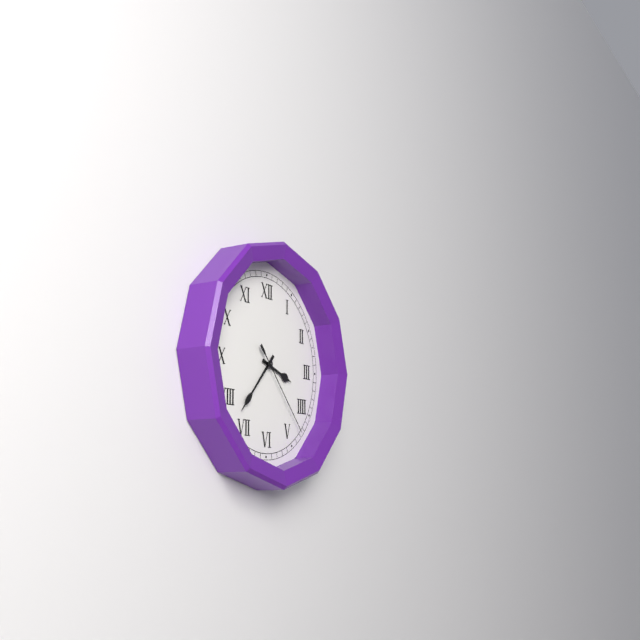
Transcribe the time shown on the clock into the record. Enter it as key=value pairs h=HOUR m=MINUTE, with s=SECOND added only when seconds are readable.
h=3 m=37 s=23
